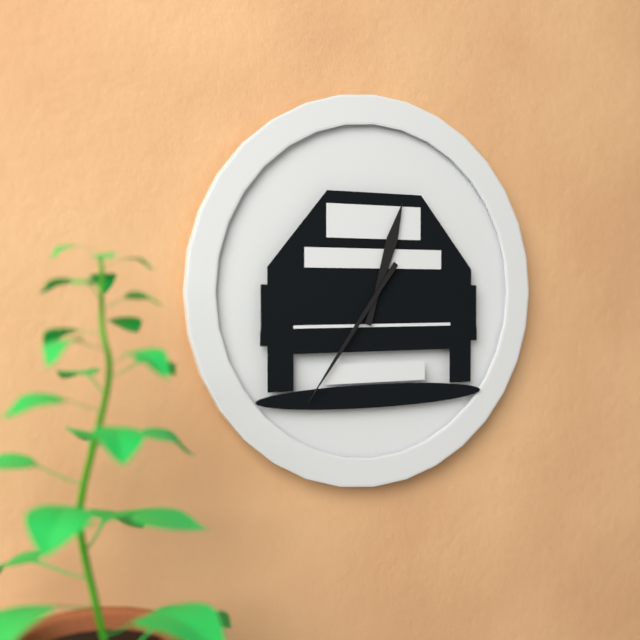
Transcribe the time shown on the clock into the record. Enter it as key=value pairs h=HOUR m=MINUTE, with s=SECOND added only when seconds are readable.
h=12 m=36
